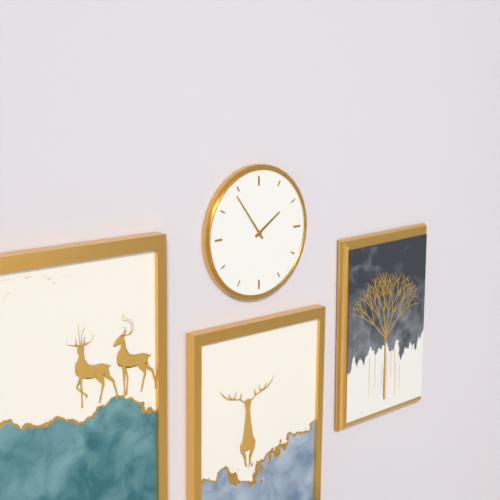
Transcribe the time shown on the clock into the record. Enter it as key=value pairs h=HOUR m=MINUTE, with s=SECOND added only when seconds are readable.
h=1 m=54
